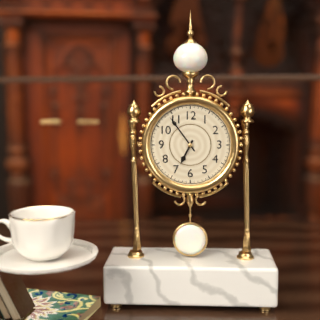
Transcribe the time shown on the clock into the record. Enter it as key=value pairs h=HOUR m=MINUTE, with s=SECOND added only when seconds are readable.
h=6 m=54
